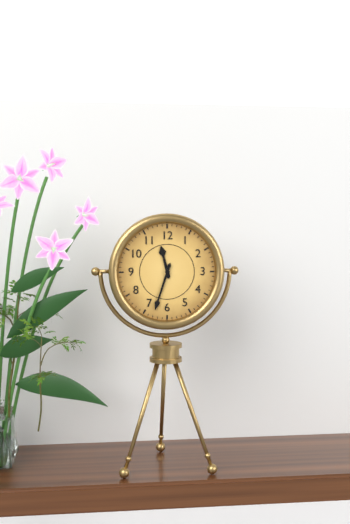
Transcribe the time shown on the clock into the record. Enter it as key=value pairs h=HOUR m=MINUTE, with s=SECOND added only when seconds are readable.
h=11 m=33
